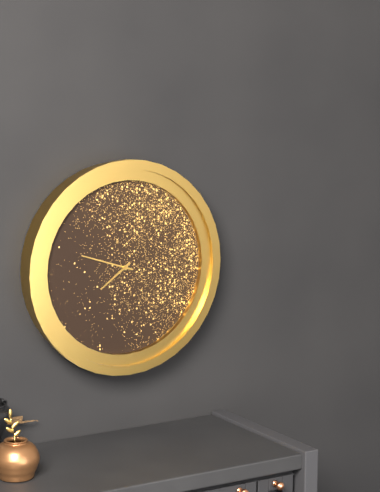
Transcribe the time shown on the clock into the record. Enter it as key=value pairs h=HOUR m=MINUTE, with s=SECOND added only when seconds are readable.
h=7 m=48
